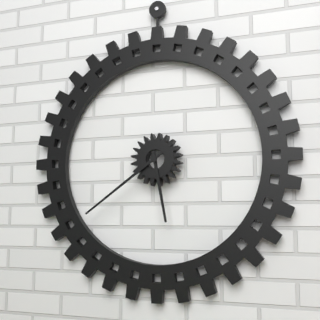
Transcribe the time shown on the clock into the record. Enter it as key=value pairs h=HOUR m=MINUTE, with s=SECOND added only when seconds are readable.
h=5 m=39
